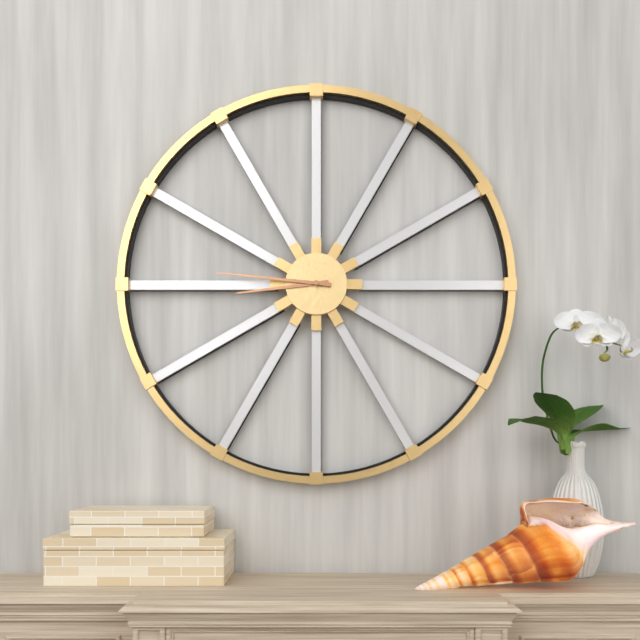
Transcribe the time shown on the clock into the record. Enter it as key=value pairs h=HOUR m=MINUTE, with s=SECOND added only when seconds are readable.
h=8 m=46
